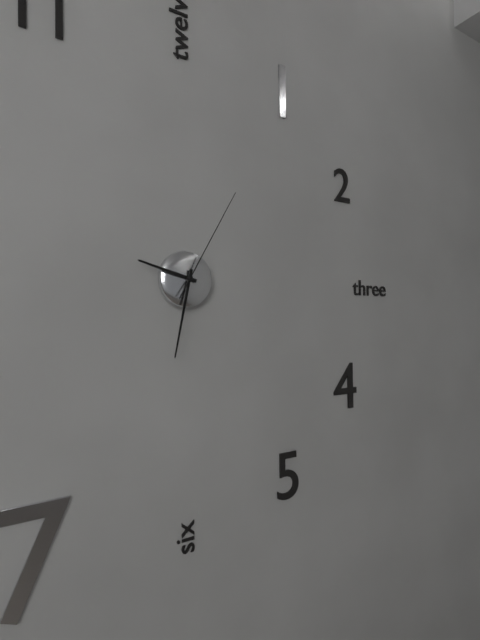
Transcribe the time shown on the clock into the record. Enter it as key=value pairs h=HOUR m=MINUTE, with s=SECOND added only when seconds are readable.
h=9 m=32 s=5
